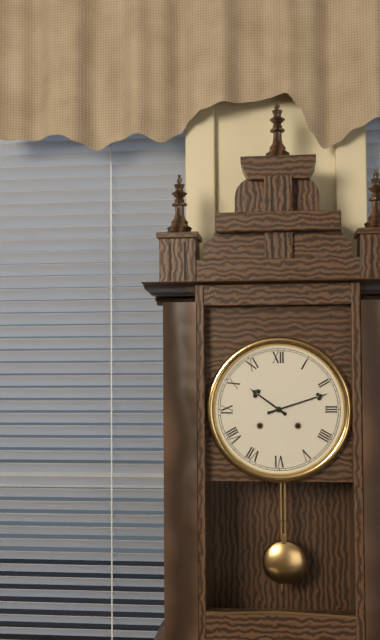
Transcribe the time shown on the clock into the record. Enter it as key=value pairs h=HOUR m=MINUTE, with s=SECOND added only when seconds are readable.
h=10 m=12
